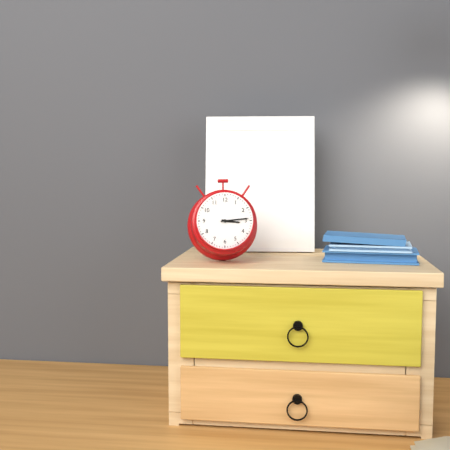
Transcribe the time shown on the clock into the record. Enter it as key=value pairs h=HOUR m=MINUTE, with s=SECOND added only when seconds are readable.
h=3 m=14
